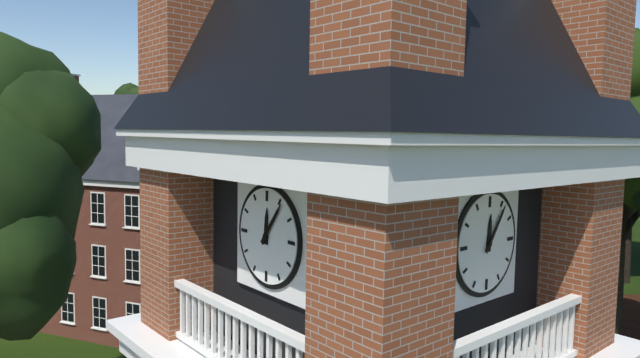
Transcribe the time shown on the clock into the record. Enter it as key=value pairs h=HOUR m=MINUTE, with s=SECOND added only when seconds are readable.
h=12 m=6
